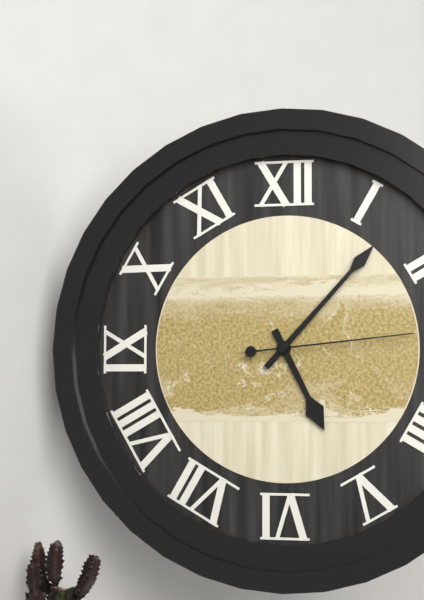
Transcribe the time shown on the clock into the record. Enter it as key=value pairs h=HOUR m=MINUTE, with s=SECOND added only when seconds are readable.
h=5 m=7 s=14
